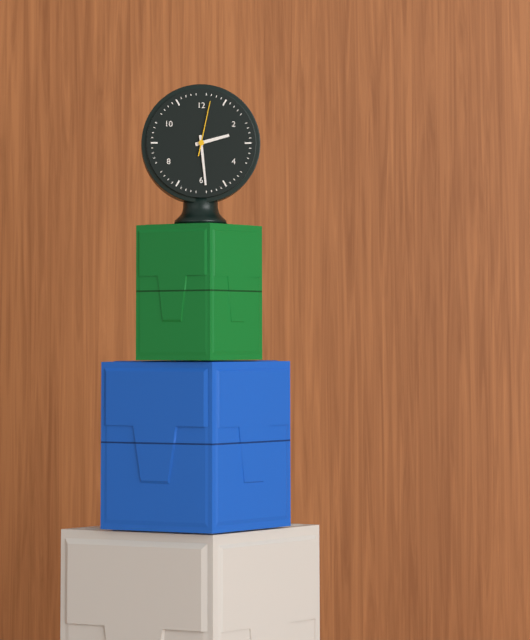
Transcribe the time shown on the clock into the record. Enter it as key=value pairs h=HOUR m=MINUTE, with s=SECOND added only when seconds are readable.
h=2 m=29 s=2
